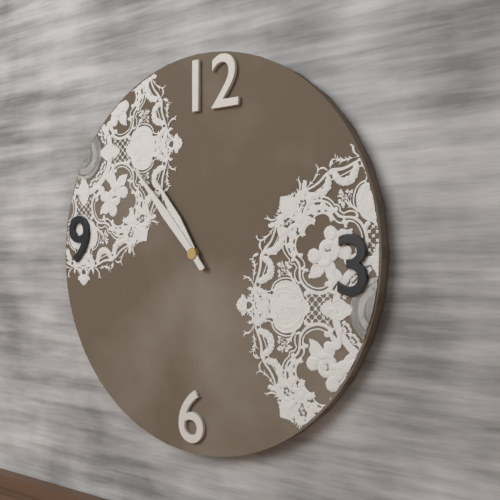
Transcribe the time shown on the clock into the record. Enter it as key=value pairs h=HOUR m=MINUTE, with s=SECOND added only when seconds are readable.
h=10 m=53
